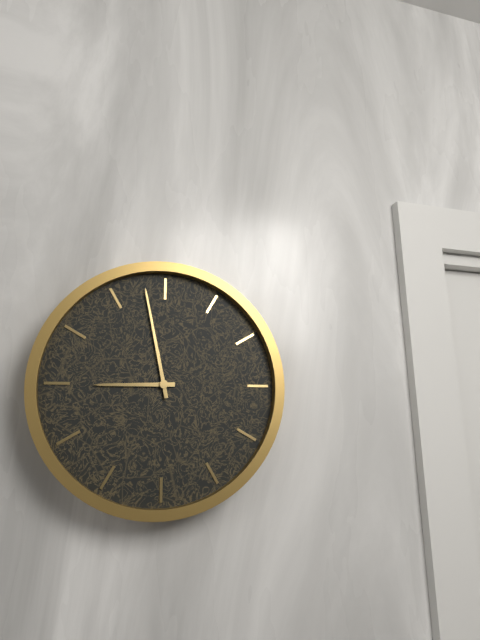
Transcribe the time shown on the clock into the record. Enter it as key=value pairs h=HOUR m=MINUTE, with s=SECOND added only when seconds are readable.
h=8 m=58
